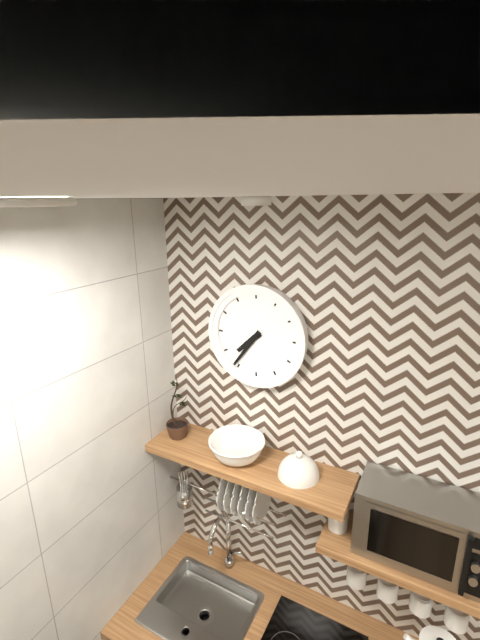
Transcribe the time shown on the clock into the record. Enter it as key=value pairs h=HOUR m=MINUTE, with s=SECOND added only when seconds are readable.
h=7 m=36
